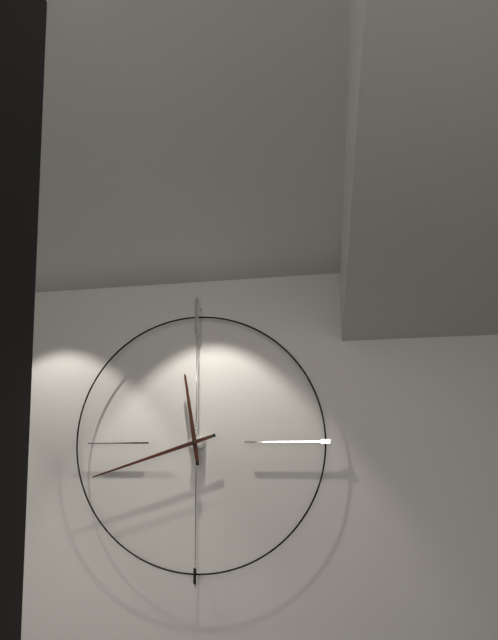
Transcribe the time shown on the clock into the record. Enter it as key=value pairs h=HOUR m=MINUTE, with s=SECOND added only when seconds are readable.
h=11 m=42
